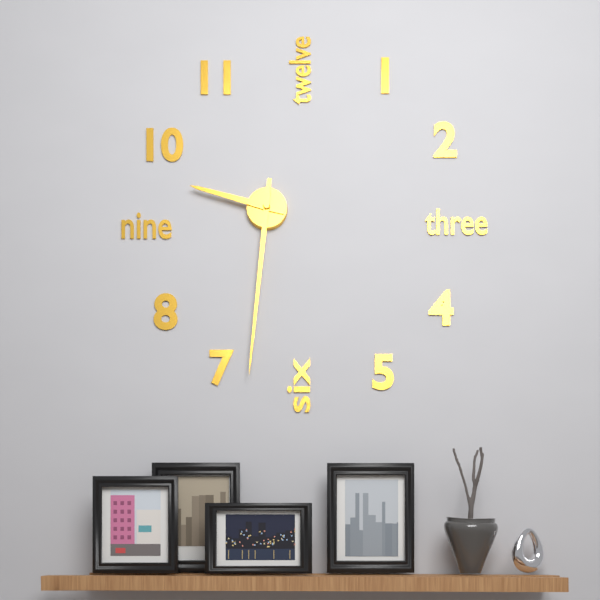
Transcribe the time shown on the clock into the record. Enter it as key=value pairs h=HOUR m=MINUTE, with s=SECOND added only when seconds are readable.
h=9 m=31
